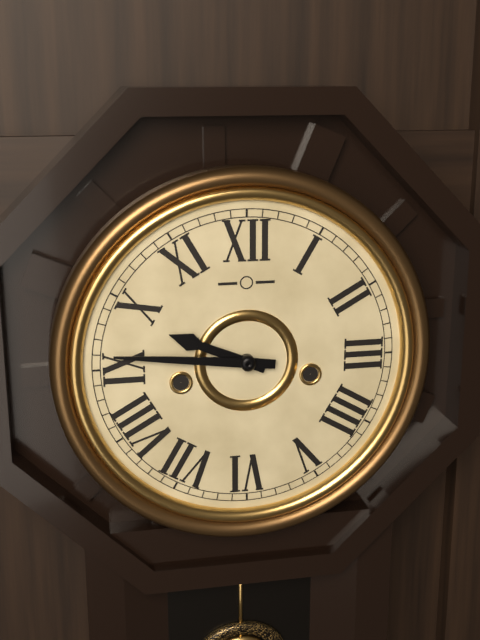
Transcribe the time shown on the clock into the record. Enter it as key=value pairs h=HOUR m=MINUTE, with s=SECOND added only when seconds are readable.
h=9 m=46
